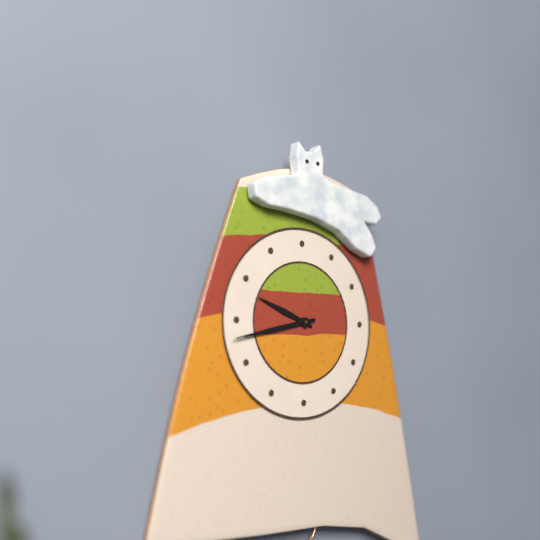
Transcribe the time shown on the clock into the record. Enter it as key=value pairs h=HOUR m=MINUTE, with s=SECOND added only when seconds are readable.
h=9 m=43
